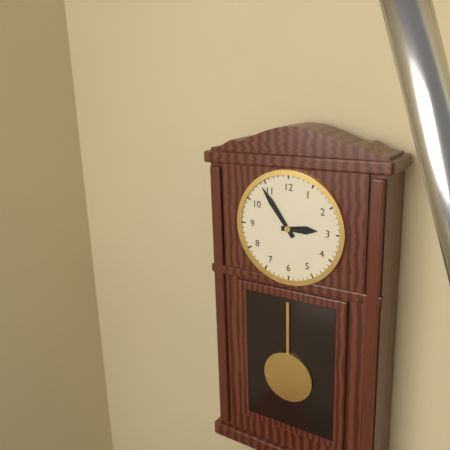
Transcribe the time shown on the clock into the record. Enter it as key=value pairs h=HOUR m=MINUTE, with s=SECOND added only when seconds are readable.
h=2 m=54
